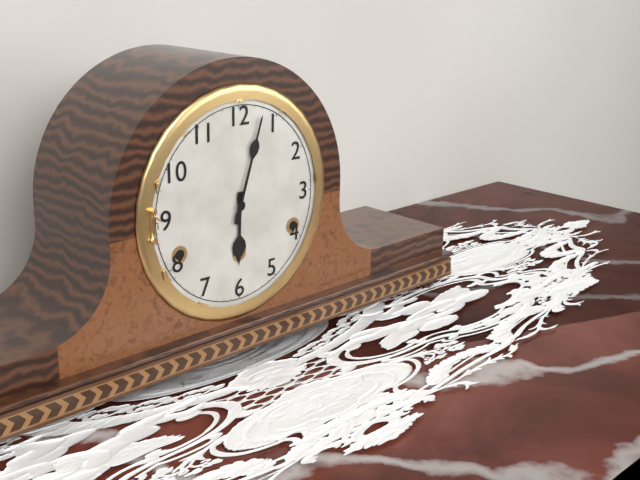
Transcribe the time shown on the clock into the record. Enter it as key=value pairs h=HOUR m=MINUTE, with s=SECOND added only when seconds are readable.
h=6 m=3
